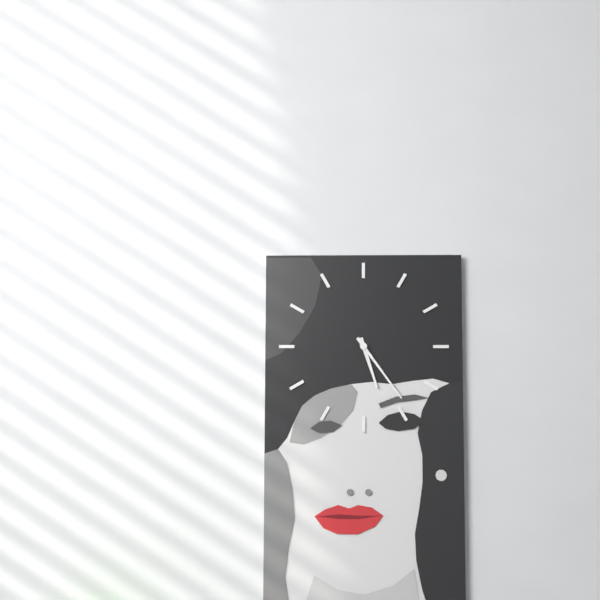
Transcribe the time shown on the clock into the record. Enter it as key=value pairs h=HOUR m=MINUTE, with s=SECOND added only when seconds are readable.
h=5 m=24
